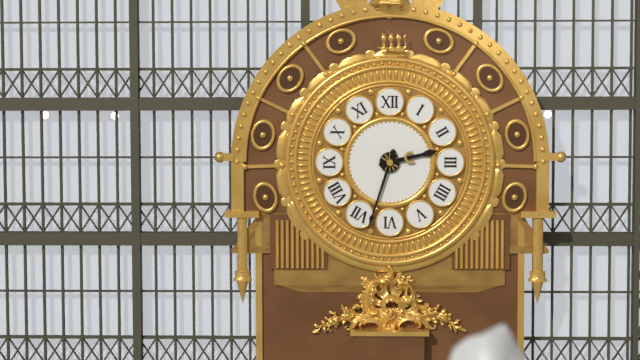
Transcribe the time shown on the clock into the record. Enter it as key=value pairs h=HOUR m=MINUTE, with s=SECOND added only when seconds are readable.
h=2 m=33
